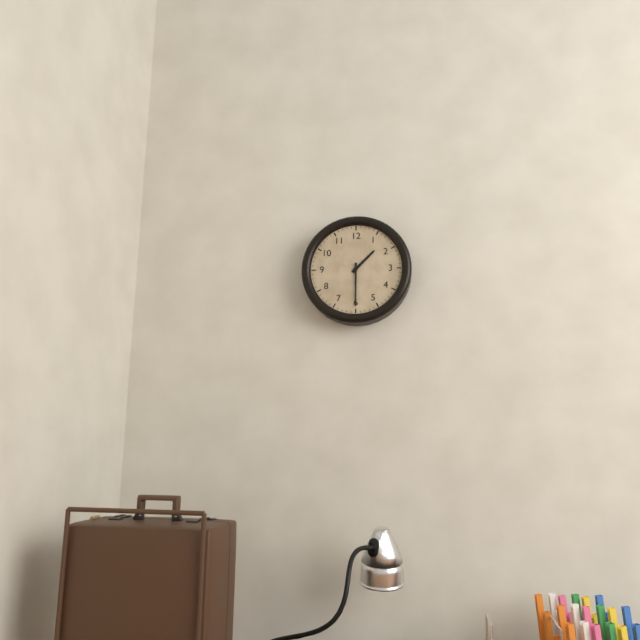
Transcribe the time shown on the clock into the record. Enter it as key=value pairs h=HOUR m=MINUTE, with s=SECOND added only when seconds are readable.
h=1 m=30
